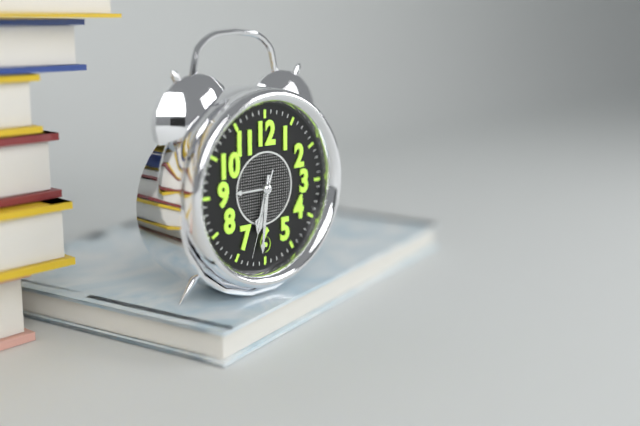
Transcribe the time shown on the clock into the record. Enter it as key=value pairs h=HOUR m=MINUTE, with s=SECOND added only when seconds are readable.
h=6 m=31 s=33
